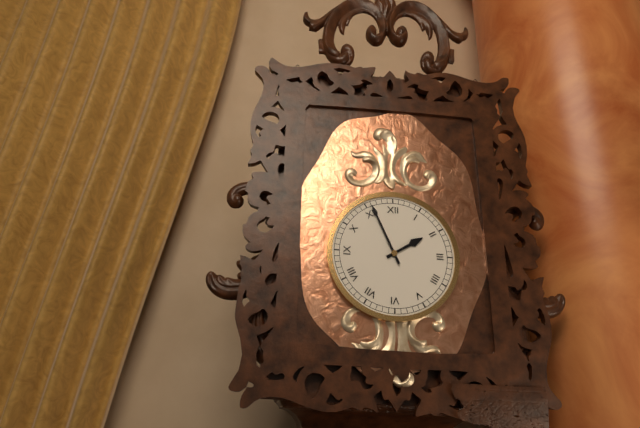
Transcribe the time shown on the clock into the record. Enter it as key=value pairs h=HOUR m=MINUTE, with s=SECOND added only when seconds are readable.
h=1 m=56
